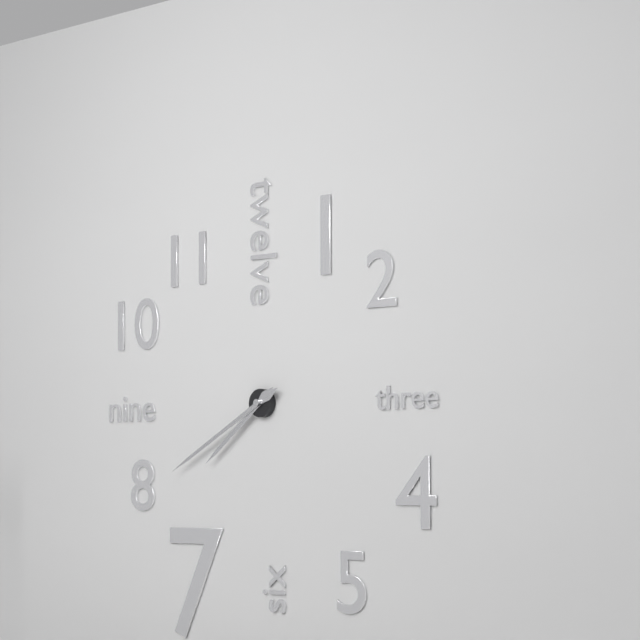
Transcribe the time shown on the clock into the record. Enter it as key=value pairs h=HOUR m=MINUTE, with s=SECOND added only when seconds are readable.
h=7 m=40
